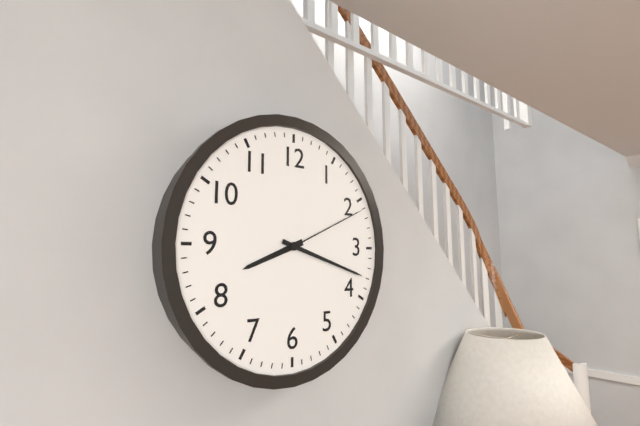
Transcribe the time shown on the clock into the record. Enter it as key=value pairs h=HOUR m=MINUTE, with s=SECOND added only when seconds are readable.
h=8 m=18 s=11
